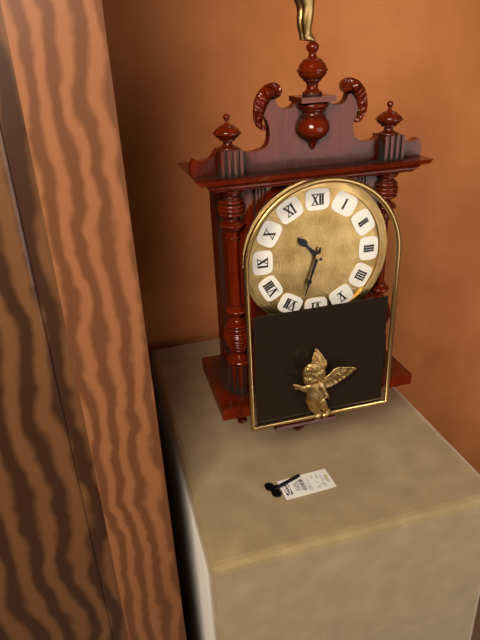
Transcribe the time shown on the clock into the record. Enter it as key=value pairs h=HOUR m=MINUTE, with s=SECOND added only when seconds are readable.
h=10 m=33
